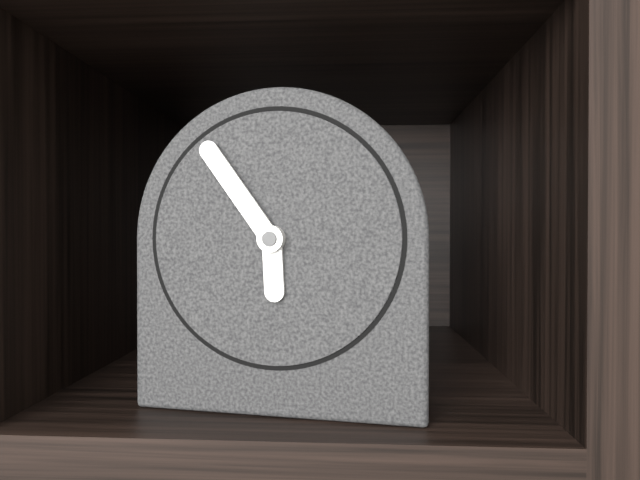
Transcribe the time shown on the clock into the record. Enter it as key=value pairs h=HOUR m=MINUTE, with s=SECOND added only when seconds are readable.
h=5 m=54
